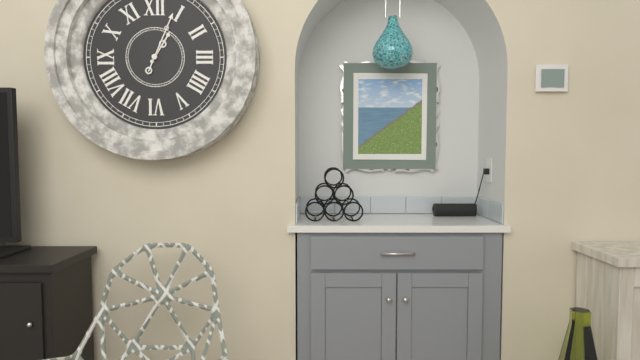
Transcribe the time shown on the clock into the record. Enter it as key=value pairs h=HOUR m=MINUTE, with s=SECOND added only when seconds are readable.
h=1 m=4
